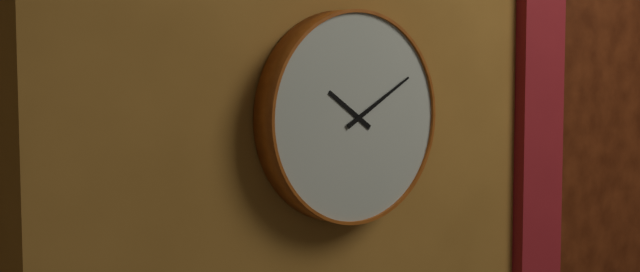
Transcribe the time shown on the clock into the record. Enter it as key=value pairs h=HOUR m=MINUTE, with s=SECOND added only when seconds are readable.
h=10 m=10
